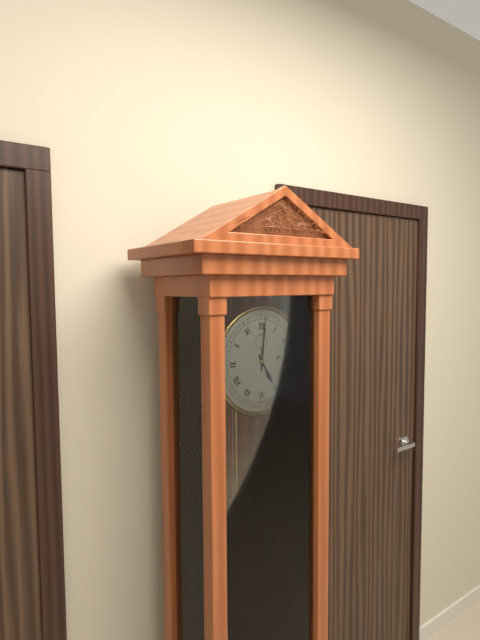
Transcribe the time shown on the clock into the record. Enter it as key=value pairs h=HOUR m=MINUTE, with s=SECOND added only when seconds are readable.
h=5 m=1
